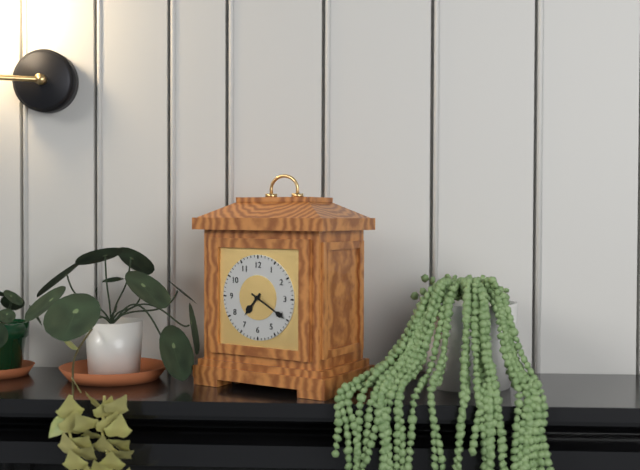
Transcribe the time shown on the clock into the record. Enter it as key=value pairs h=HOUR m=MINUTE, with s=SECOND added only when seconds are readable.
h=7 m=20
